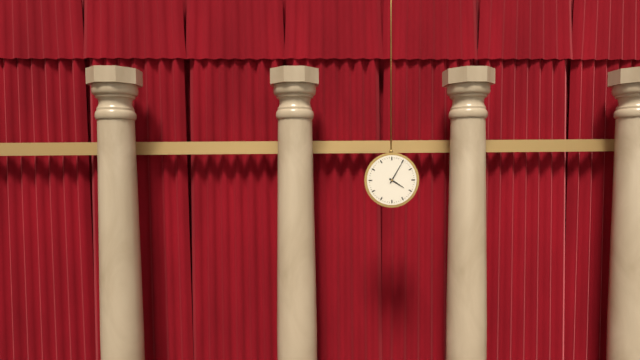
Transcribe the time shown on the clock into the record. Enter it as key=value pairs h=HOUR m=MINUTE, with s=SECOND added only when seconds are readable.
h=4 m=5
